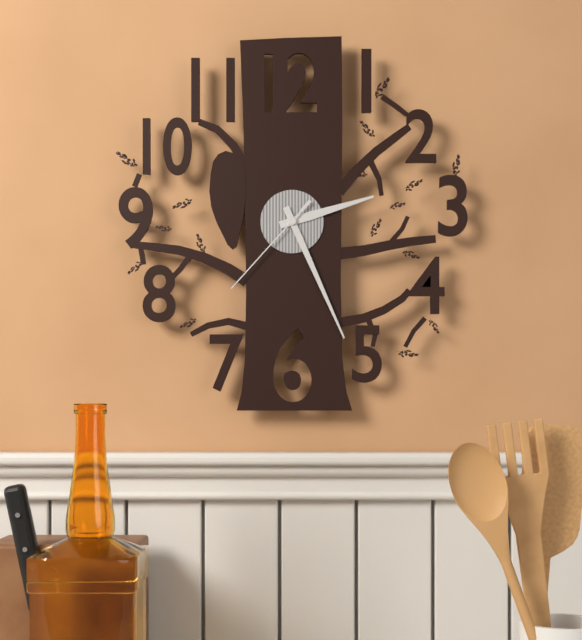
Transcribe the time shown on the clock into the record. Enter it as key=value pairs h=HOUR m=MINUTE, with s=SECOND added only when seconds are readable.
h=2 m=26 s=37
